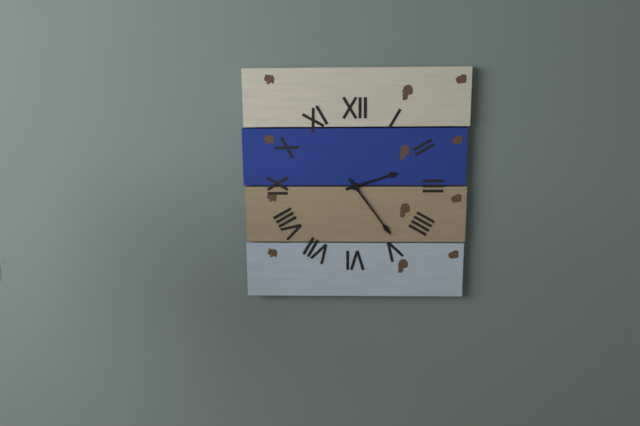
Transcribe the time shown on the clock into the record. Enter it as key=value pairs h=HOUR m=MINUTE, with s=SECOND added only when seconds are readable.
h=2 m=24
